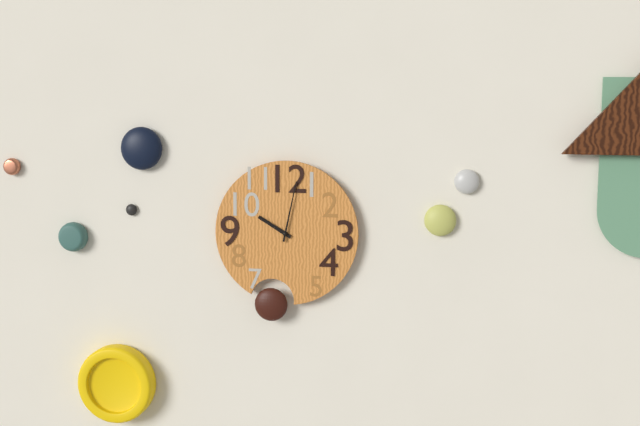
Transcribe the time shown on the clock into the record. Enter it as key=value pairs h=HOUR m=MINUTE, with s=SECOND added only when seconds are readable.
h=10 m=2
